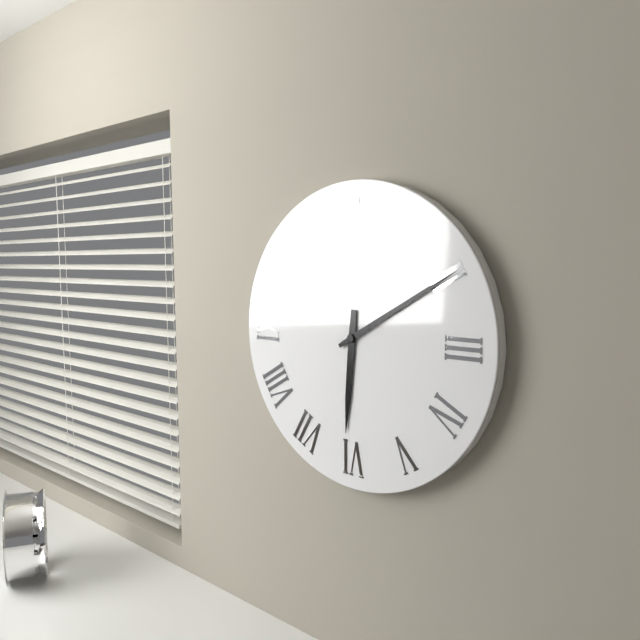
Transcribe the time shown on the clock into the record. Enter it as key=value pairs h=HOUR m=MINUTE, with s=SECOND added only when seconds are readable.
h=6 m=10
